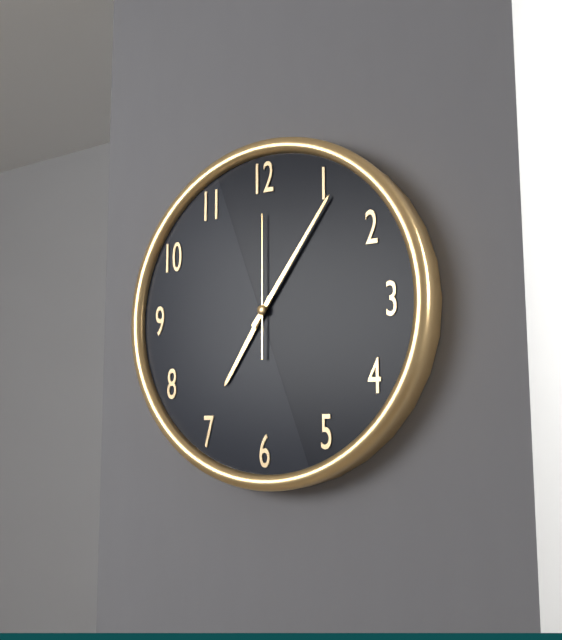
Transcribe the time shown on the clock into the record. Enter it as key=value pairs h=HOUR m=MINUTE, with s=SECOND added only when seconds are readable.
h=7 m=6 s=0
